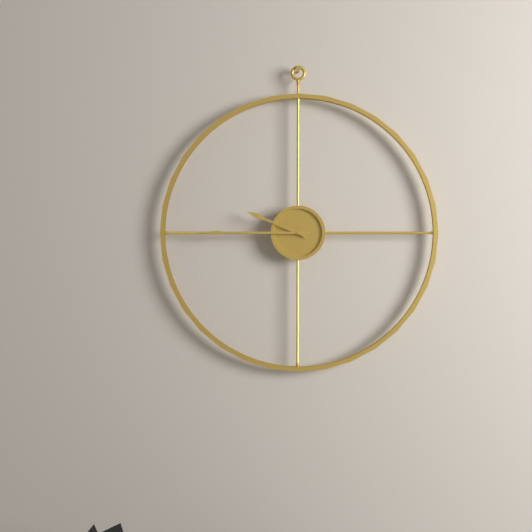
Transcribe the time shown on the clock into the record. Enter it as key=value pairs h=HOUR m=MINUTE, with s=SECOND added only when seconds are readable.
h=9 m=45
